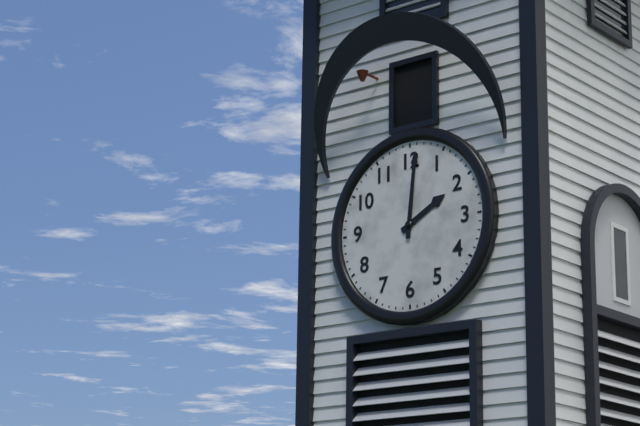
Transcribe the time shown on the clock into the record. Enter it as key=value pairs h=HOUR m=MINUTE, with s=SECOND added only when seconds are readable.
h=2 m=1
